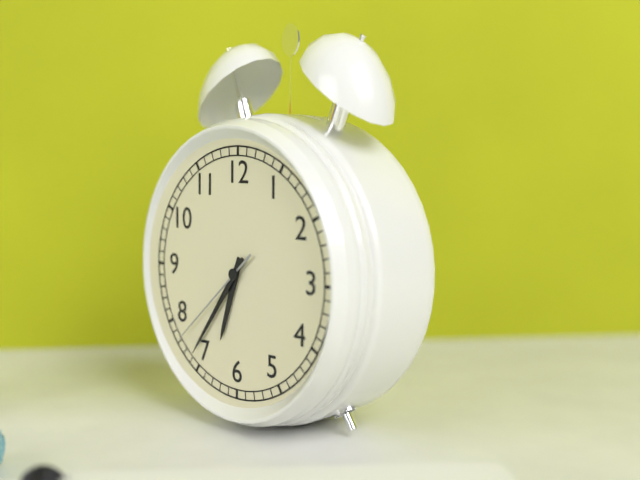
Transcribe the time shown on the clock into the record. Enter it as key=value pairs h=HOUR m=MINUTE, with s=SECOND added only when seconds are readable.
h=6 m=36 s=38
